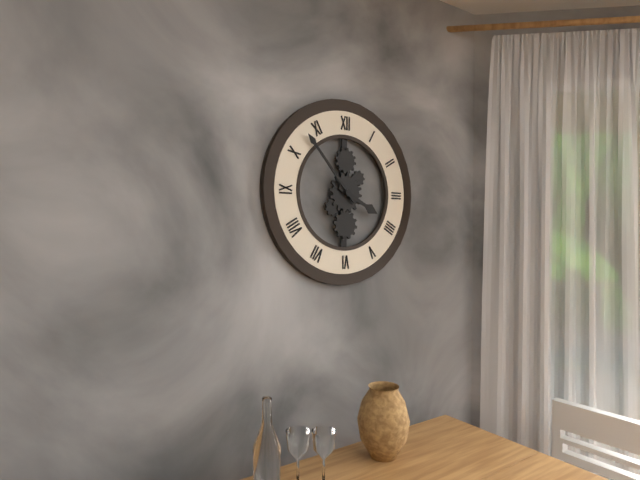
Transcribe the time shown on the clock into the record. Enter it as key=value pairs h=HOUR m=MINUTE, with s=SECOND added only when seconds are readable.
h=3 m=53
